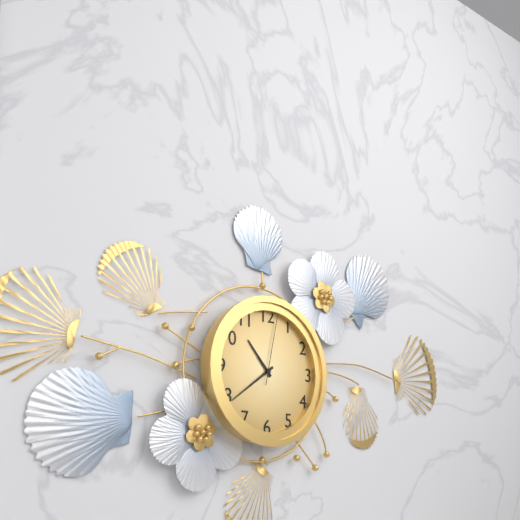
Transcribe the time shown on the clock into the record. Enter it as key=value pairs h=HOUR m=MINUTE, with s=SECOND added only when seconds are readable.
h=10 m=39 s=2
